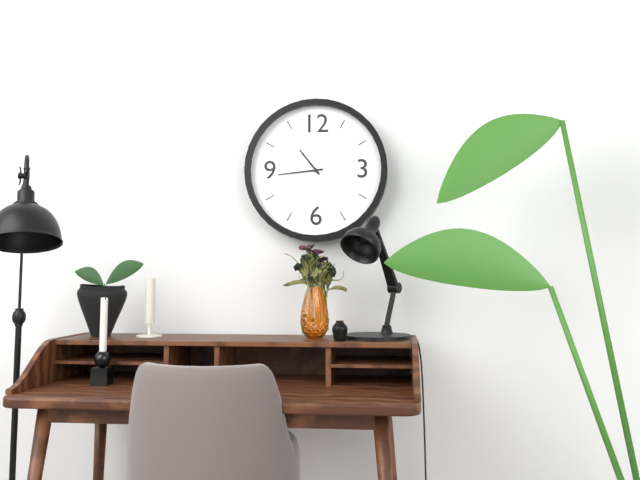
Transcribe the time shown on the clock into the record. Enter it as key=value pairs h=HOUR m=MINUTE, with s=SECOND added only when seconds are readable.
h=10 m=44
